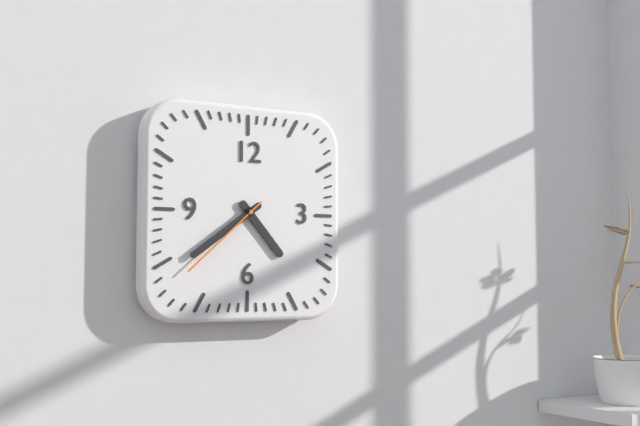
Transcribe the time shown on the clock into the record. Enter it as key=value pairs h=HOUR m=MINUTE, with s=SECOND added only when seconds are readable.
h=4 m=39 s=38
